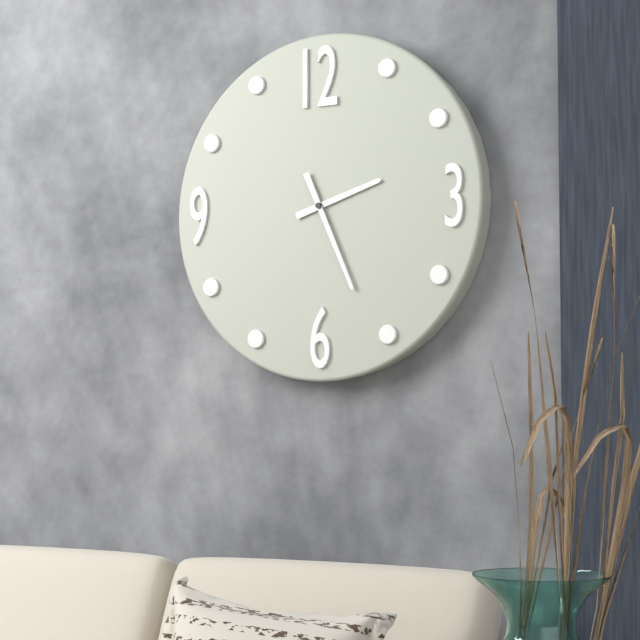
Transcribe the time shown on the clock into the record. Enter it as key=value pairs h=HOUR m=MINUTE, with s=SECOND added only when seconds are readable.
h=2 m=26
